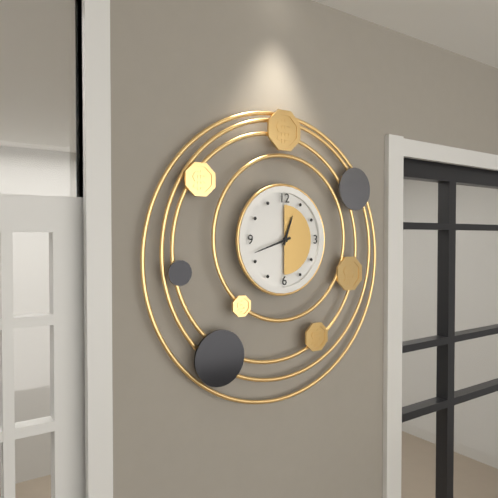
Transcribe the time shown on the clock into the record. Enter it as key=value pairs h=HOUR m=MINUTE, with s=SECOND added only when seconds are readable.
h=12 m=42
